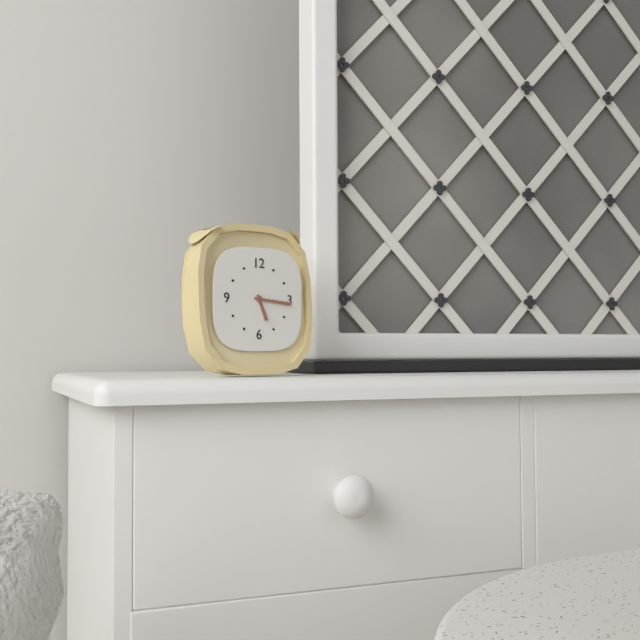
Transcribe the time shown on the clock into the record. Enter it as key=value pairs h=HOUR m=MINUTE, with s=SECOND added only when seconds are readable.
h=5 m=16
